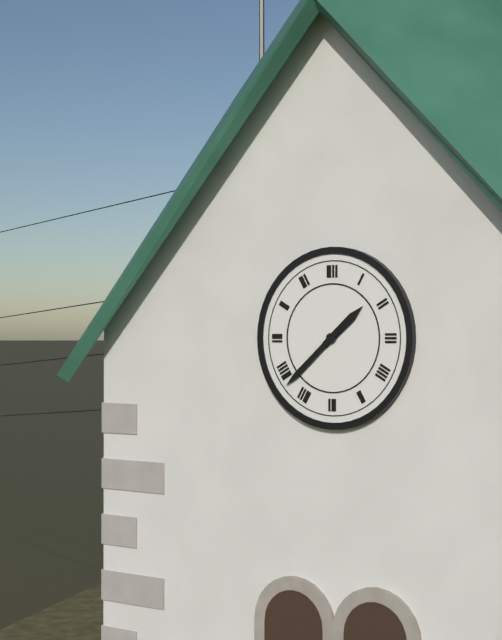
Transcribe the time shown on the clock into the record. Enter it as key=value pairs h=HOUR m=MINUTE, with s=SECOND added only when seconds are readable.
h=1 m=38
